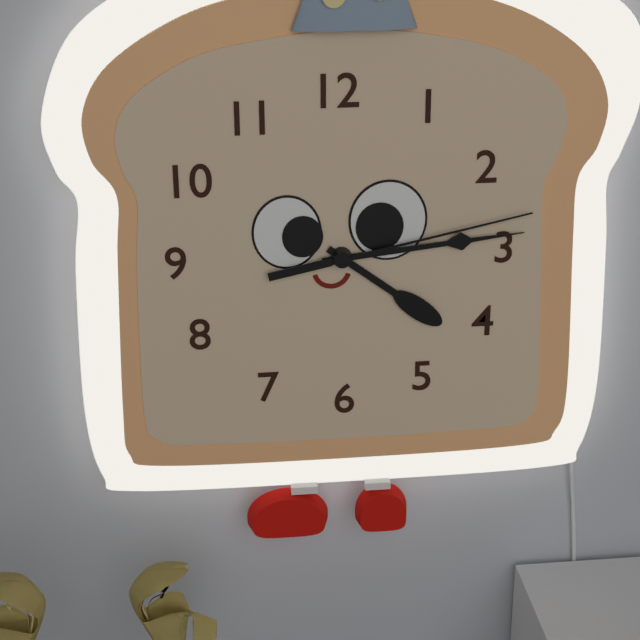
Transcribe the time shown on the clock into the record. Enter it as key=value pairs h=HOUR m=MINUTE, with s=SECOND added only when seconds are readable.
h=4 m=14 s=13
